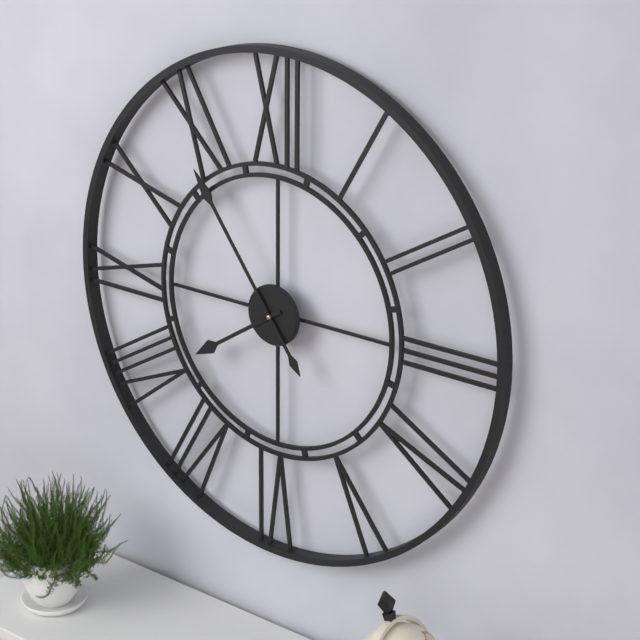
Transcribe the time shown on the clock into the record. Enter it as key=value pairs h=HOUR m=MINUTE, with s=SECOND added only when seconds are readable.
h=7 m=54
